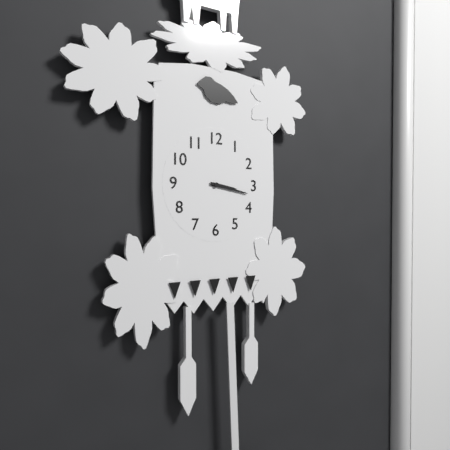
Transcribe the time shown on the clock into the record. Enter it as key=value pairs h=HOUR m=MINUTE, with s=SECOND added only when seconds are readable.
h=3 m=17
